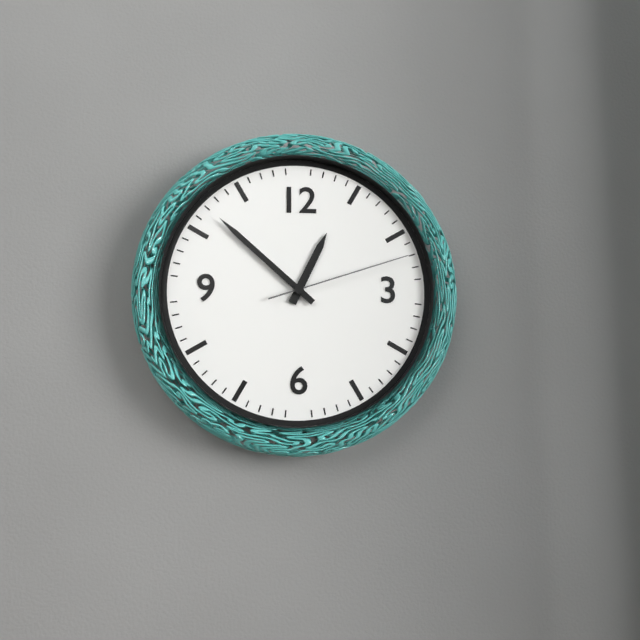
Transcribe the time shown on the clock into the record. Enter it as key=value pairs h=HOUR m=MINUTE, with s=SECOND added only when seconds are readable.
h=12 m=52 s=12
